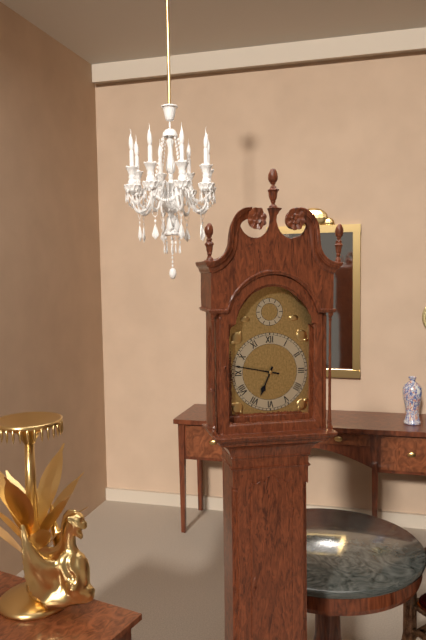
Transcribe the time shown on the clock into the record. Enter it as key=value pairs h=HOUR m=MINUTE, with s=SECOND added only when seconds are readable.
h=6 m=47
